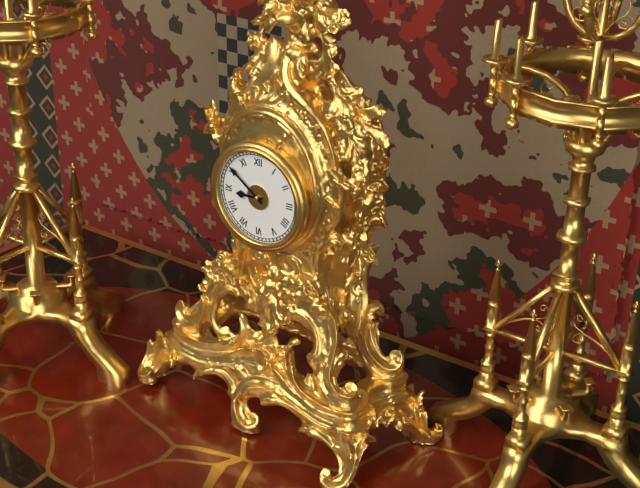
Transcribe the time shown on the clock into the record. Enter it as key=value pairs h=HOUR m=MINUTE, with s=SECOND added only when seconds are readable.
h=8 m=51
